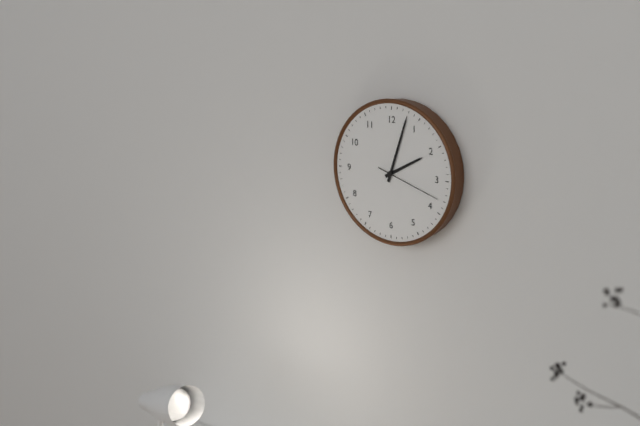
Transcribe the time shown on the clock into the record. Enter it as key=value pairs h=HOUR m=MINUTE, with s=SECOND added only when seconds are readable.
h=2 m=3 s=18
